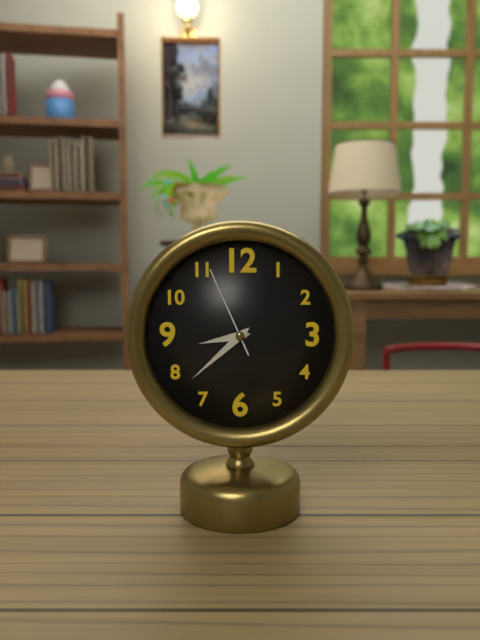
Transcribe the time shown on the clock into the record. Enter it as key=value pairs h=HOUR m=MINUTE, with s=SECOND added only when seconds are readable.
h=8 m=38 s=56
